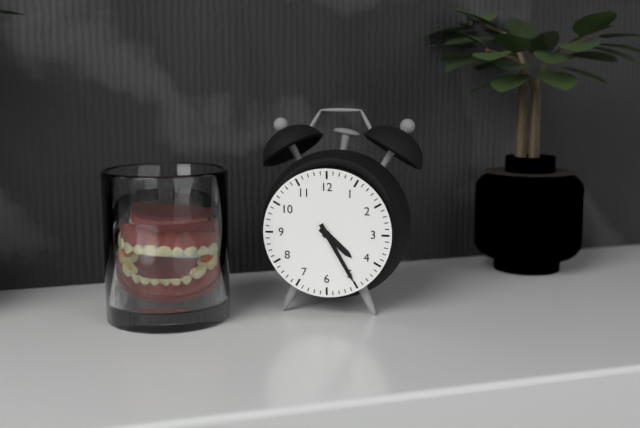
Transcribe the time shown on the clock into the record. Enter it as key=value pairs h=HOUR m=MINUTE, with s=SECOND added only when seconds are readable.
h=4 m=25
